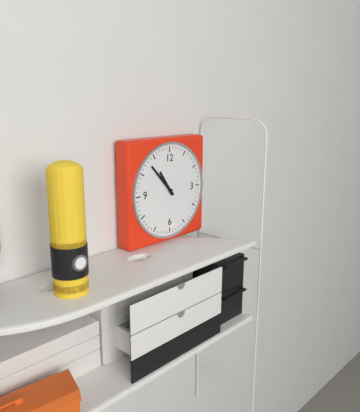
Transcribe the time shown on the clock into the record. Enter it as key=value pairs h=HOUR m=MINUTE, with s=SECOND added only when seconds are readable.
h=10 m=53
